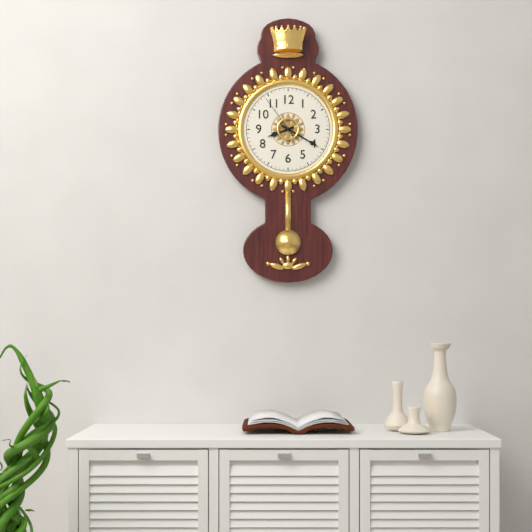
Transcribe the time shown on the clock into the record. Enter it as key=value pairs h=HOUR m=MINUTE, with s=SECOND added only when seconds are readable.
h=8 m=20
